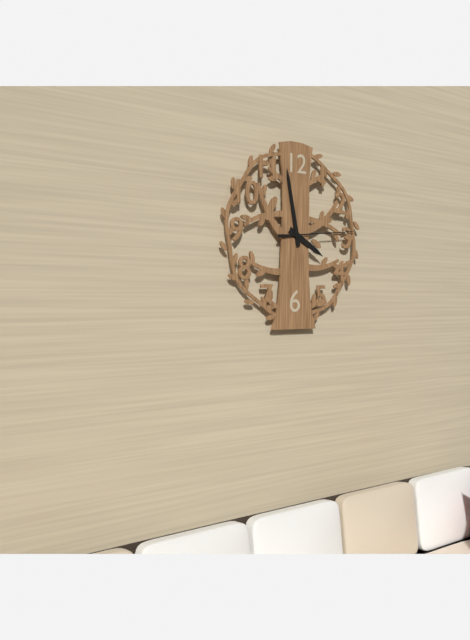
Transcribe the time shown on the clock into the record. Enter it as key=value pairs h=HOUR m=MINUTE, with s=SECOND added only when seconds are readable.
h=3 m=58 s=14
